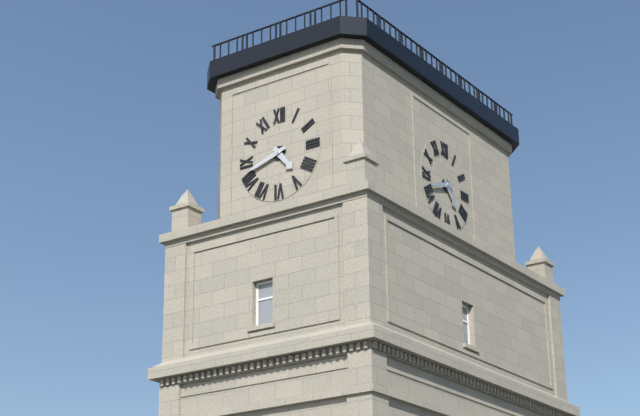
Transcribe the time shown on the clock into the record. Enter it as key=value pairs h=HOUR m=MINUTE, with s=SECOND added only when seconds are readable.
h=4 m=42
